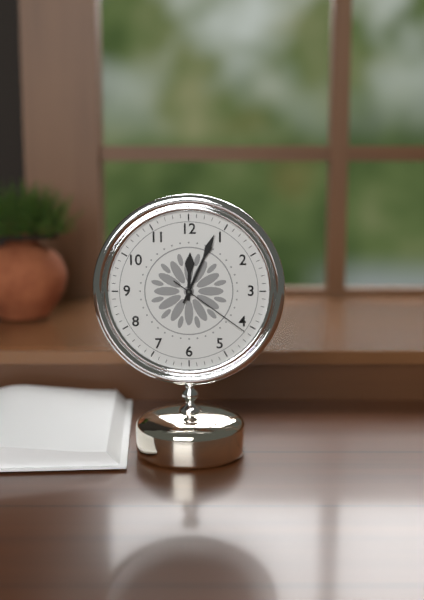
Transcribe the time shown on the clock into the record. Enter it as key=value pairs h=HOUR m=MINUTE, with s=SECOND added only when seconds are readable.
h=12 m=4 s=21
